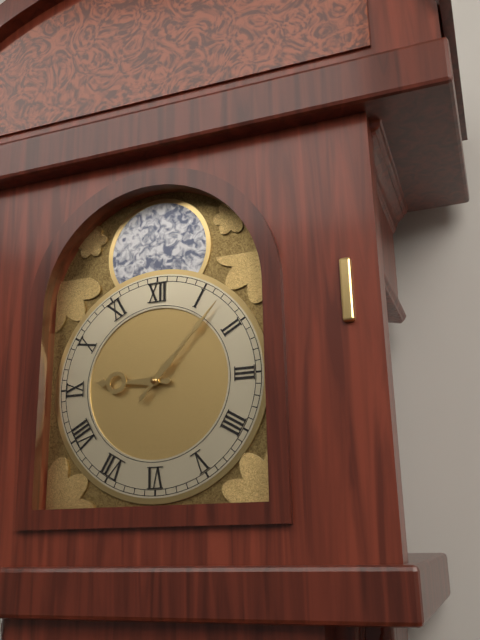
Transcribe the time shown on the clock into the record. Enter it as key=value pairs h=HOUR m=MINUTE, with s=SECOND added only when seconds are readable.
h=9 m=7
